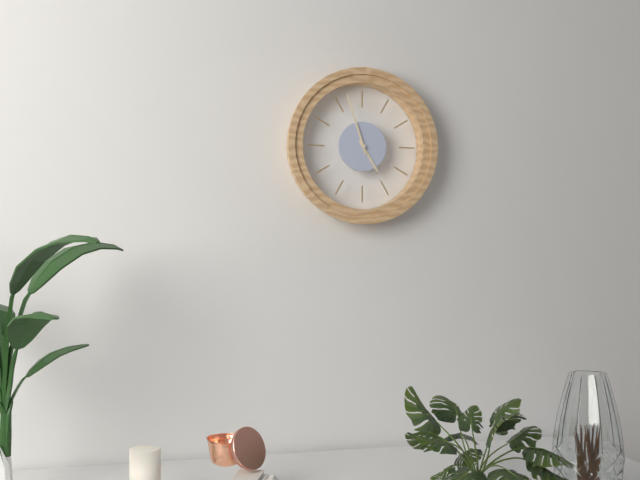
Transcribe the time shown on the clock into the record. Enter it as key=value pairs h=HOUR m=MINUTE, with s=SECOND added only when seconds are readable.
h=4 m=57
